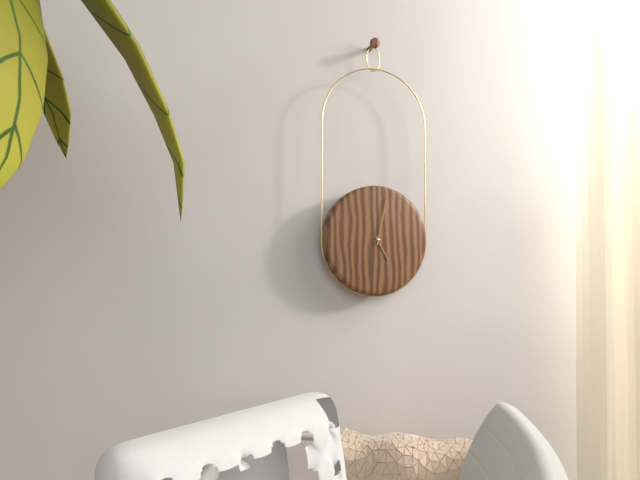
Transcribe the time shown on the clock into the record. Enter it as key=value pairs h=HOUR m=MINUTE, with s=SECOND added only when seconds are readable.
h=5 m=2
